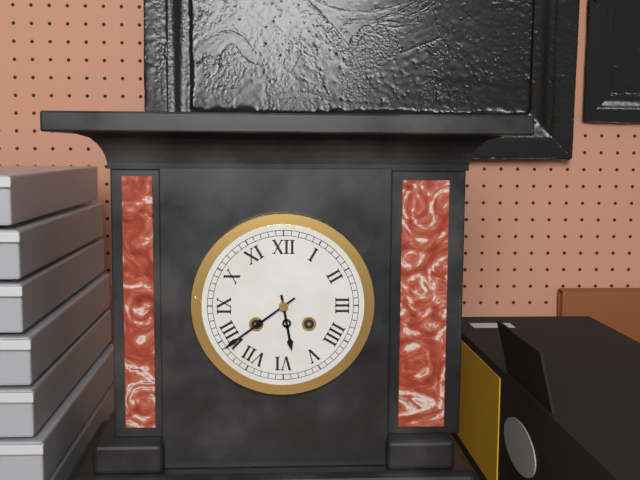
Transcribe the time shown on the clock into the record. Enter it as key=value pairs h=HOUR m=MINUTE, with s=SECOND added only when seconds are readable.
h=5 m=39
